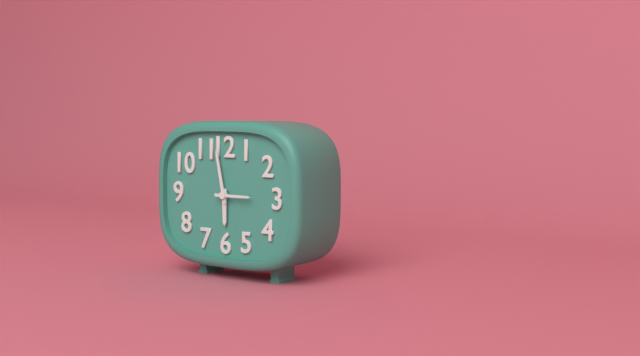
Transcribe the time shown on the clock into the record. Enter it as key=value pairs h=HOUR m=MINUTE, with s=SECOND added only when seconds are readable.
h=5 m=58
